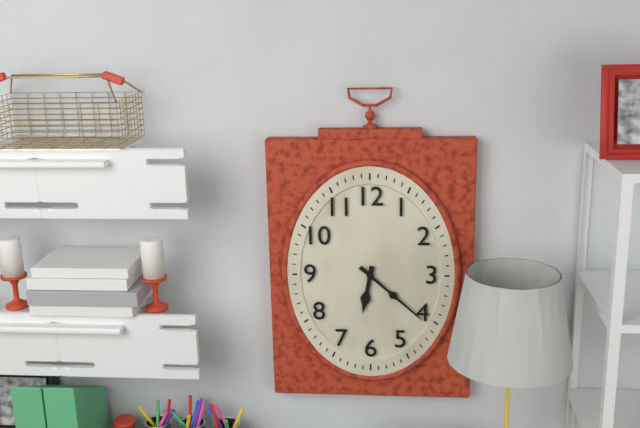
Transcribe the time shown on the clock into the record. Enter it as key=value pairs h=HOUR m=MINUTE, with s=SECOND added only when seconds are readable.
h=6 m=22
